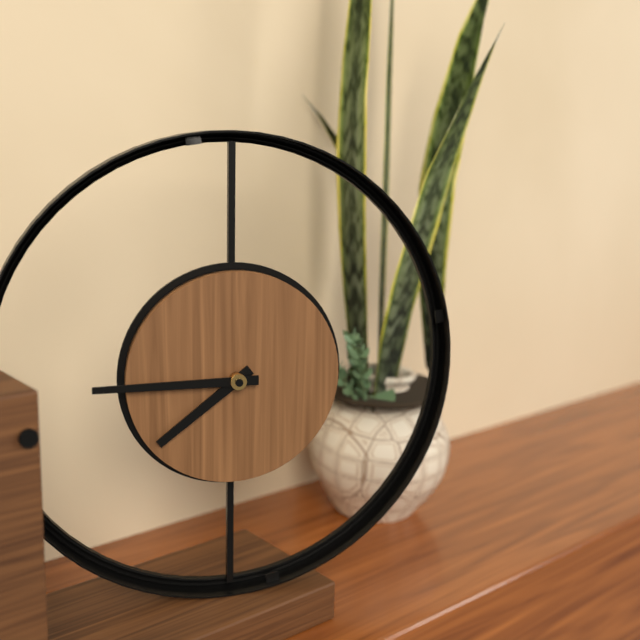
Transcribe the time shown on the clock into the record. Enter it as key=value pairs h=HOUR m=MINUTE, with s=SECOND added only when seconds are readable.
h=7 m=45
